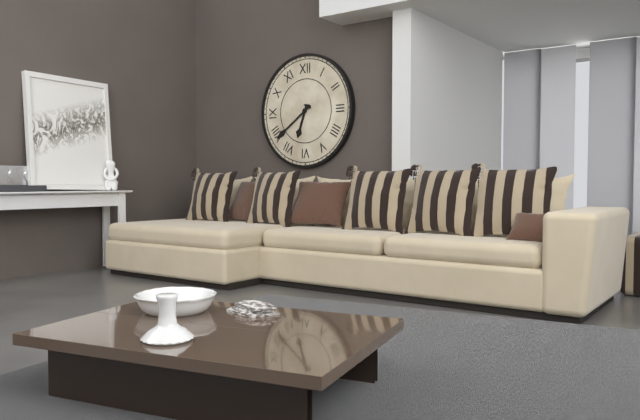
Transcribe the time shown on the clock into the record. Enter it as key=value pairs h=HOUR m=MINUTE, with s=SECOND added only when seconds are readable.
h=6 m=39
